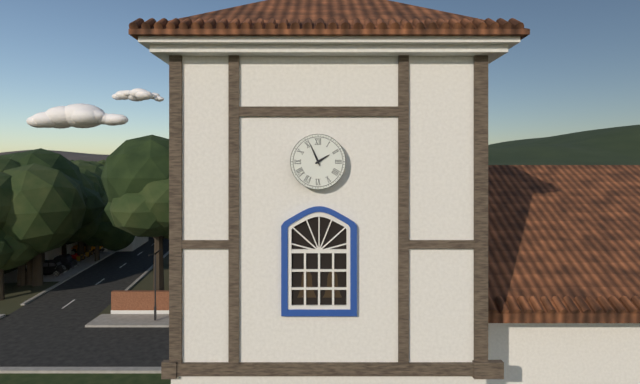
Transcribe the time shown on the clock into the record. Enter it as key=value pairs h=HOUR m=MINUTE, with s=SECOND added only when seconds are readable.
h=1 m=56
